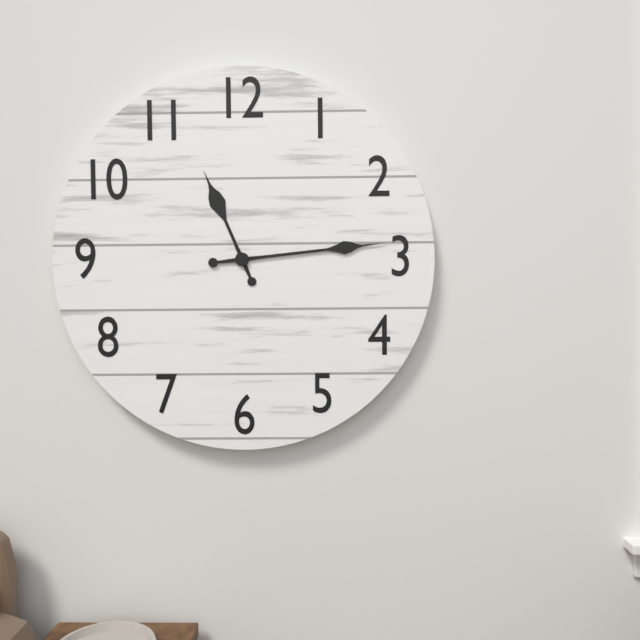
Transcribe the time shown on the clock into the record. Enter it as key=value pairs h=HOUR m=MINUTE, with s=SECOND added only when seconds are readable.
h=11 m=14
